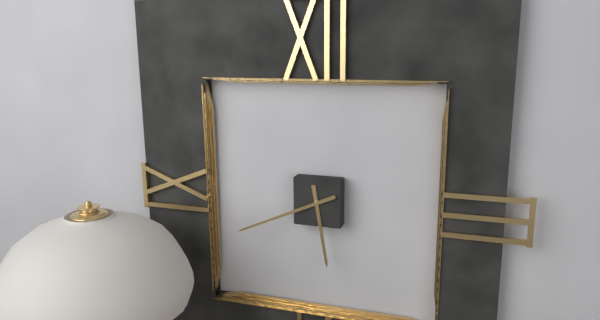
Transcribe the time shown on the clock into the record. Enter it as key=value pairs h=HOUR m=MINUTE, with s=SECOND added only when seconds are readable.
h=5 m=41
